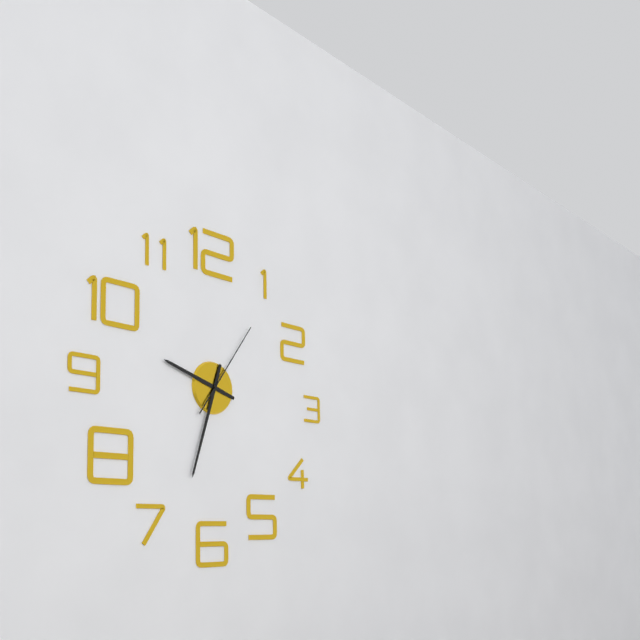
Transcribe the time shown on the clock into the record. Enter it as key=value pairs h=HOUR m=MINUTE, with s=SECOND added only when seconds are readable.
h=9 m=33 s=6
